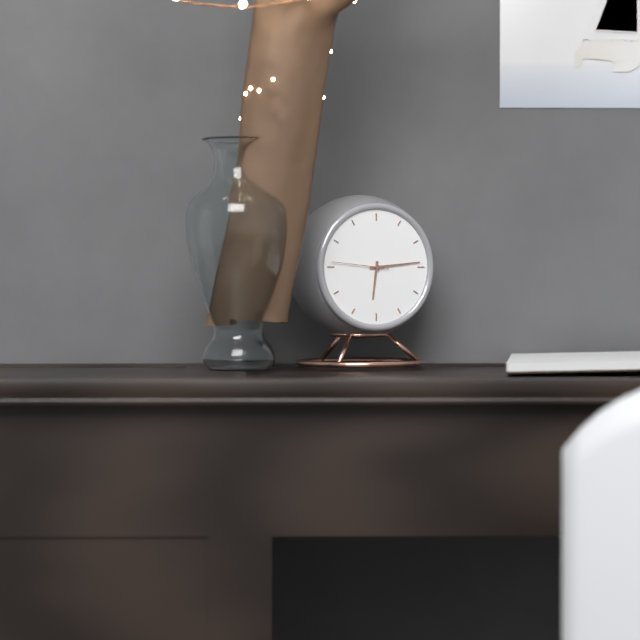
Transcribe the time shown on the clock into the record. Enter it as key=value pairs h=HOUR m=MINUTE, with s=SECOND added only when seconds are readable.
h=6 m=14 s=46
